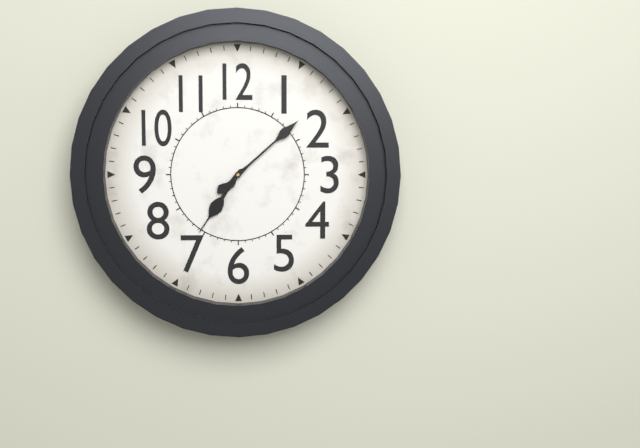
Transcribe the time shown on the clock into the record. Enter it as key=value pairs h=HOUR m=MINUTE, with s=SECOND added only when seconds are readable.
h=7 m=8
